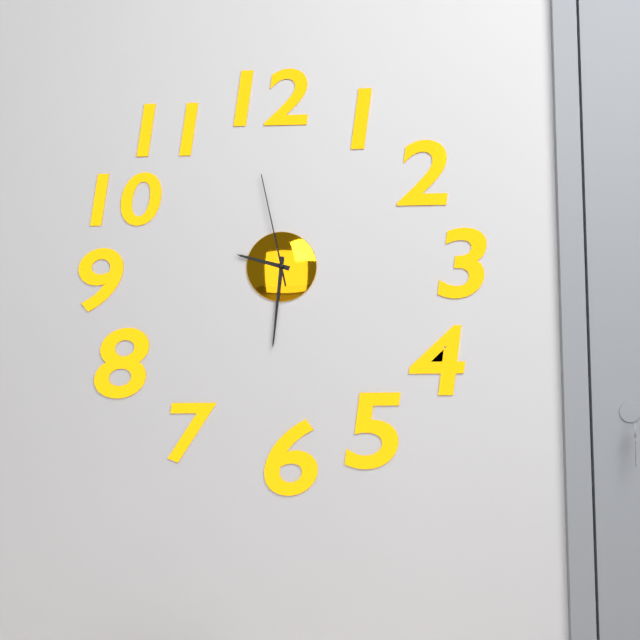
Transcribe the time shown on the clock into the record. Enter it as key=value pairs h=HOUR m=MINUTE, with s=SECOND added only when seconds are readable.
h=9 m=31 s=58
